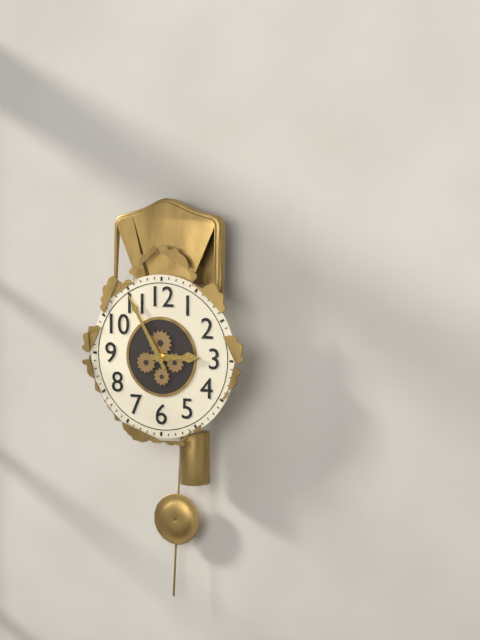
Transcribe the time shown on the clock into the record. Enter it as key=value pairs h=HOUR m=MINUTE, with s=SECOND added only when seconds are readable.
h=2 m=55
